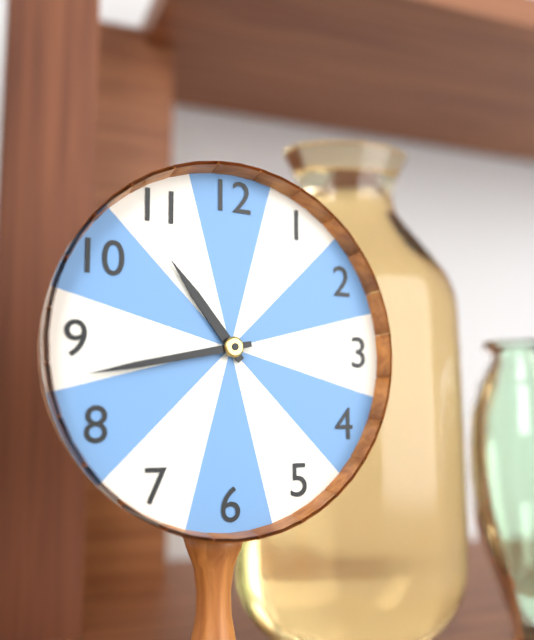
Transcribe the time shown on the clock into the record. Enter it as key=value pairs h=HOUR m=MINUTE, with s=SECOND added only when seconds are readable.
h=10 m=43
